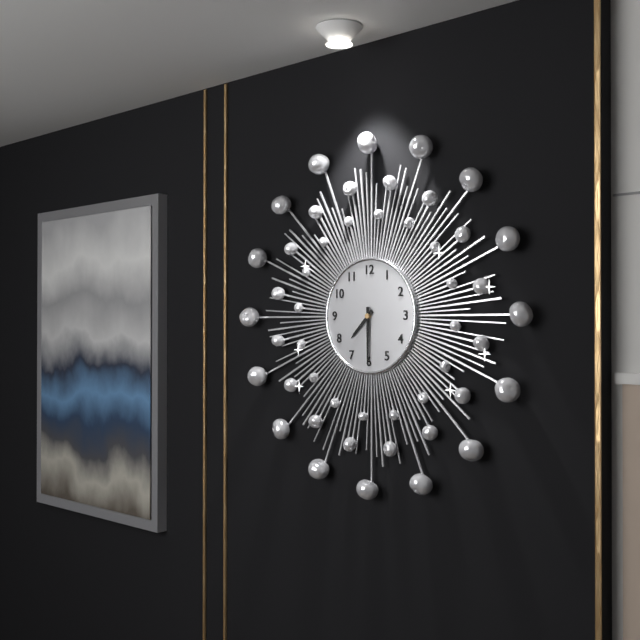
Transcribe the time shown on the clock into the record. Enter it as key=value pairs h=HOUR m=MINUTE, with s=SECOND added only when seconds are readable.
h=7 m=30
